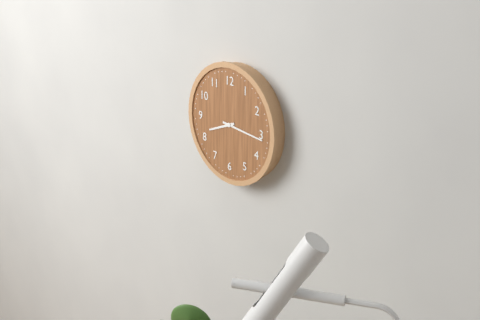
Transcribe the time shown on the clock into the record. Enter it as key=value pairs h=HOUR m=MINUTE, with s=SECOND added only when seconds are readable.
h=8 m=16
